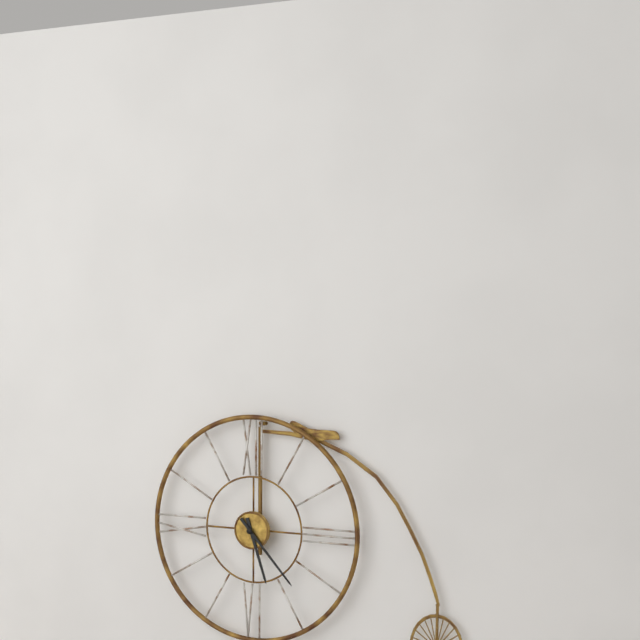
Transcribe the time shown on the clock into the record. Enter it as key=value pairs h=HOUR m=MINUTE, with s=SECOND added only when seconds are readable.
h=5 m=23
